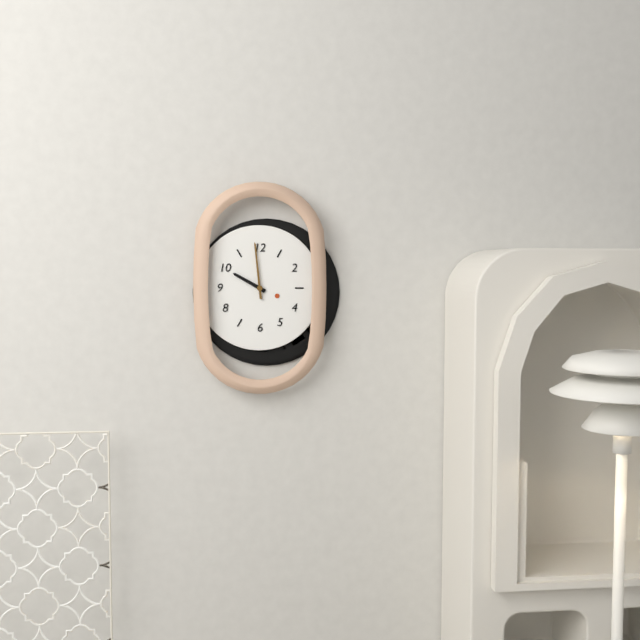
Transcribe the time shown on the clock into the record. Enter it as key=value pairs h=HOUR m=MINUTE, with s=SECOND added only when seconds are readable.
h=9 m=59
